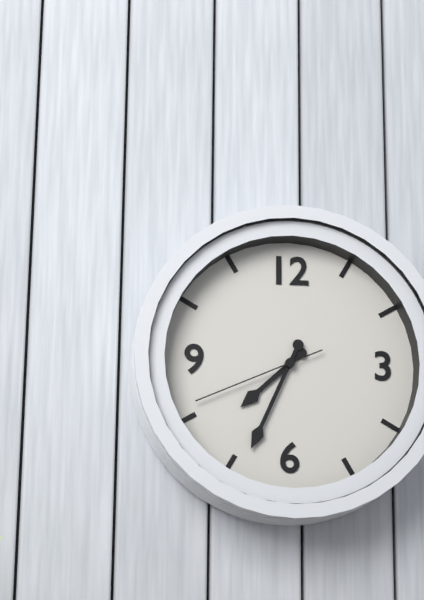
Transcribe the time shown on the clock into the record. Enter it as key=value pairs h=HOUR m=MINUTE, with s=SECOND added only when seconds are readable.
h=7 m=34 s=41
